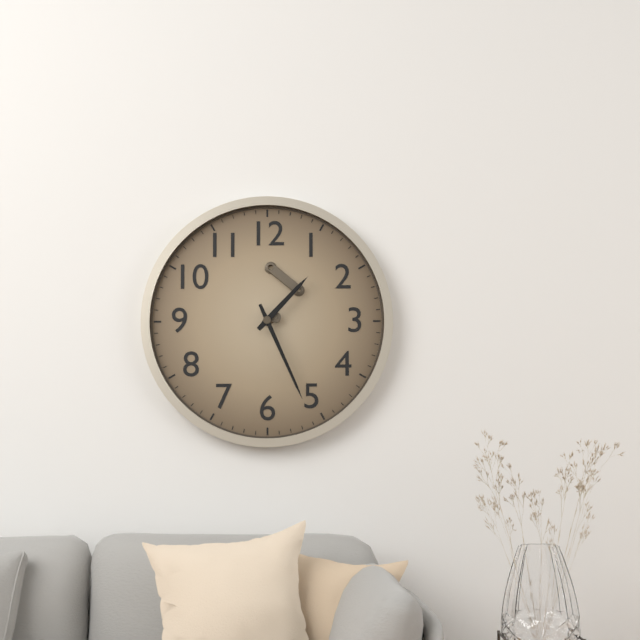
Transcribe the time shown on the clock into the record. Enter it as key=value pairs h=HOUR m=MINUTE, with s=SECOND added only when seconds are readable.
h=1 m=26
